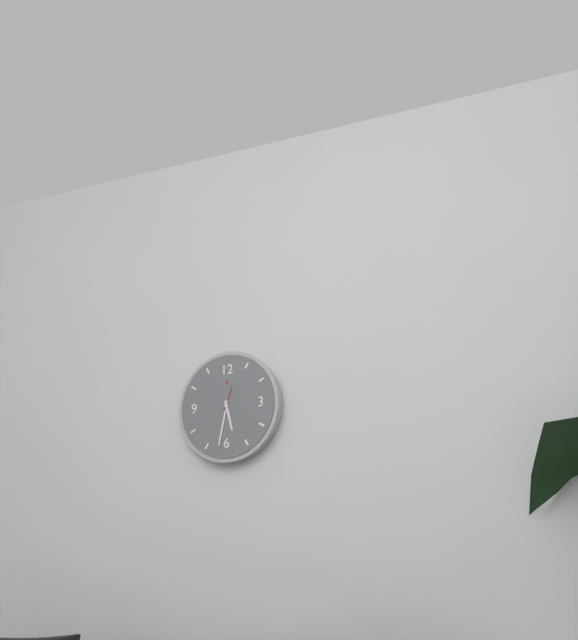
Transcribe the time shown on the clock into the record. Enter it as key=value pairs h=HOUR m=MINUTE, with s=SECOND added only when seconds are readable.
h=5 m=32
